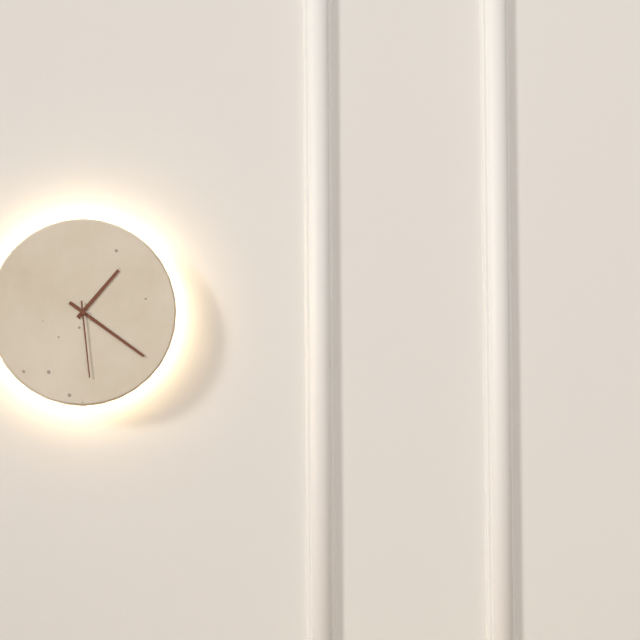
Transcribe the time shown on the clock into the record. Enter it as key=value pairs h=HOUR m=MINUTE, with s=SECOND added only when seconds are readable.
h=1 m=21 s=29
